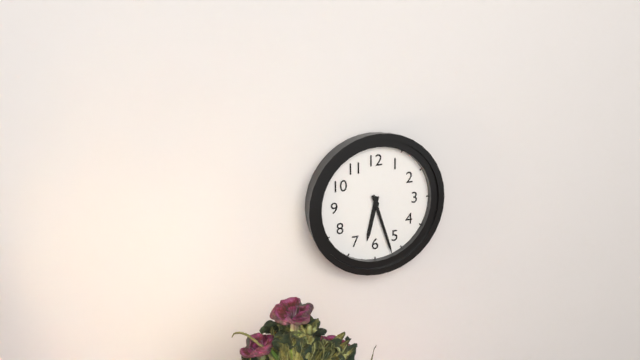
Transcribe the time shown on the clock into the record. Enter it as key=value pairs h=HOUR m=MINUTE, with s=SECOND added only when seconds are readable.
h=6 m=27
